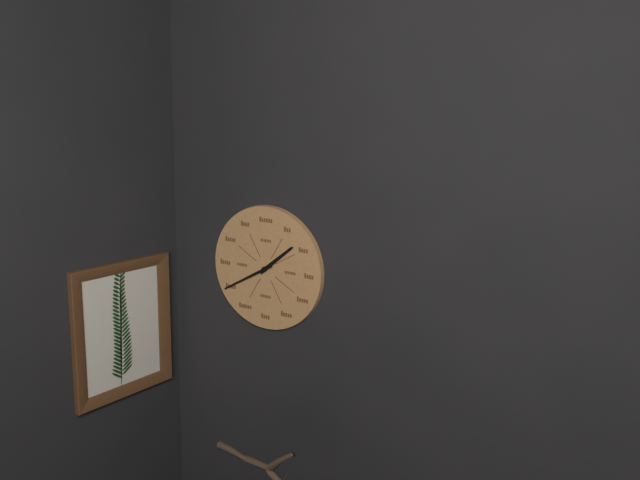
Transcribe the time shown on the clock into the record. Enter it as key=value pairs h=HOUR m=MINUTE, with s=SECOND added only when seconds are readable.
h=1 m=40
